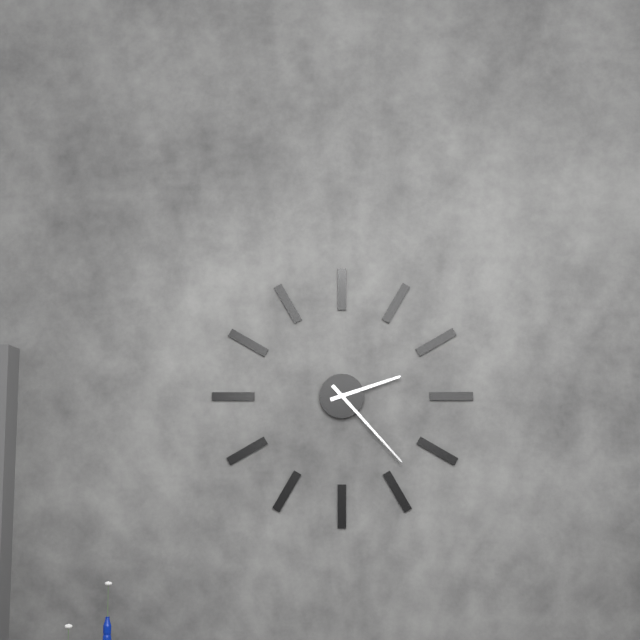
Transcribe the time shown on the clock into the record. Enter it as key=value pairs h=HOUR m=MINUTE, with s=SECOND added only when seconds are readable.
h=2 m=23
